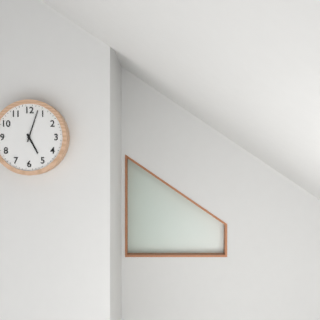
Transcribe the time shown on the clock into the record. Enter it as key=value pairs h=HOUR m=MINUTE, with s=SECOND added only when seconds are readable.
h=5 m=3
